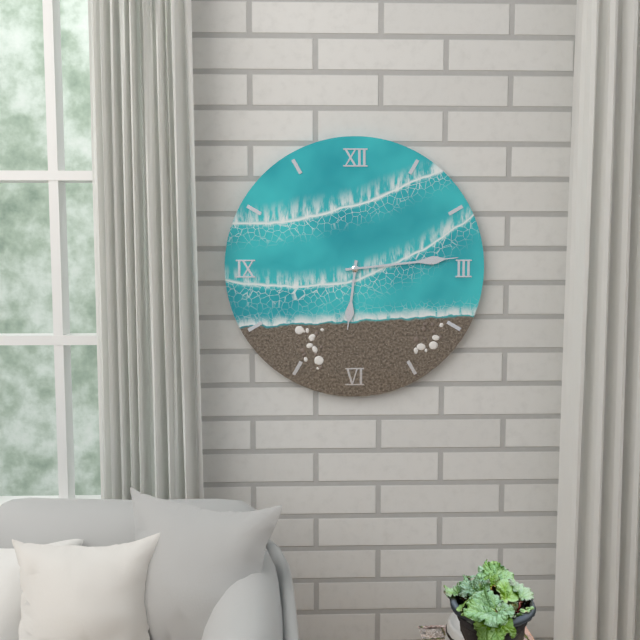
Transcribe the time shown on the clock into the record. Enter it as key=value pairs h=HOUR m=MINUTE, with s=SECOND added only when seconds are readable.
h=6 m=14
